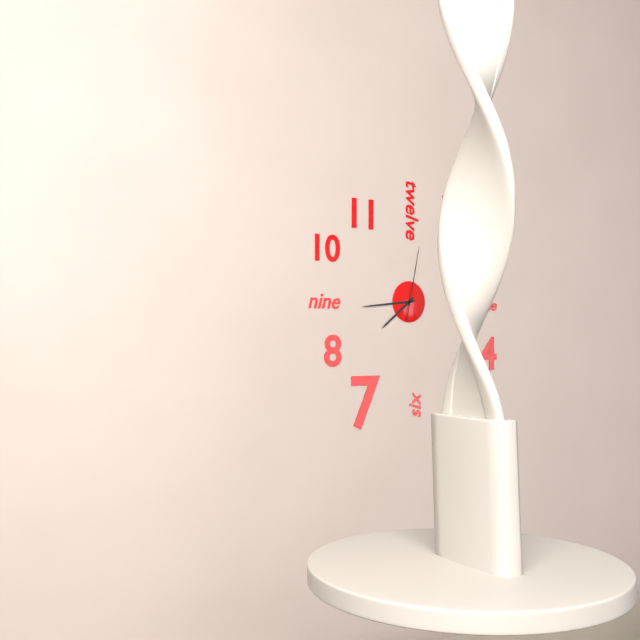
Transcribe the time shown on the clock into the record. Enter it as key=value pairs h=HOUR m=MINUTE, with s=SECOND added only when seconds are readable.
h=7 m=44 s=2
